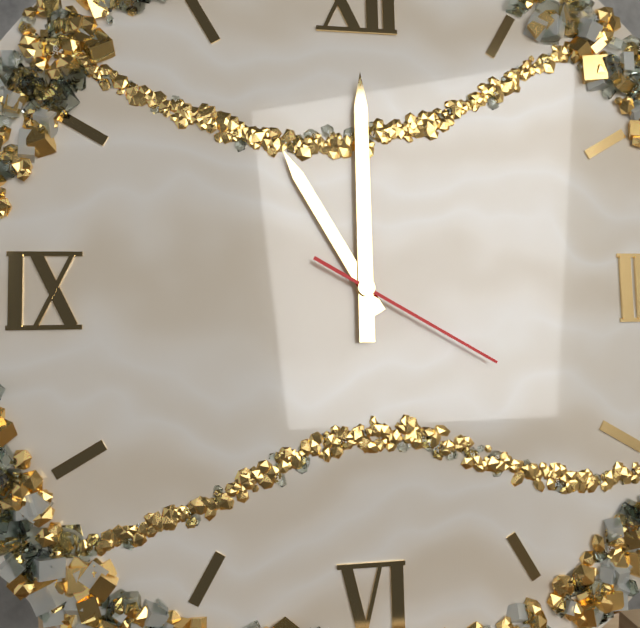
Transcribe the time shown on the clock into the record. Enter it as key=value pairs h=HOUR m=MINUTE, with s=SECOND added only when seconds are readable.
h=11 m=0 s=20
